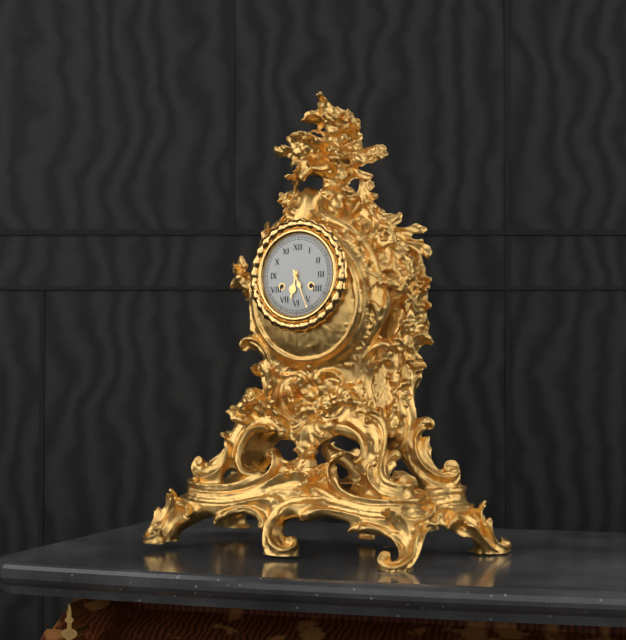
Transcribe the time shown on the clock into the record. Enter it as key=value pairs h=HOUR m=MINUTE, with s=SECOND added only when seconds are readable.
h=6 m=26
